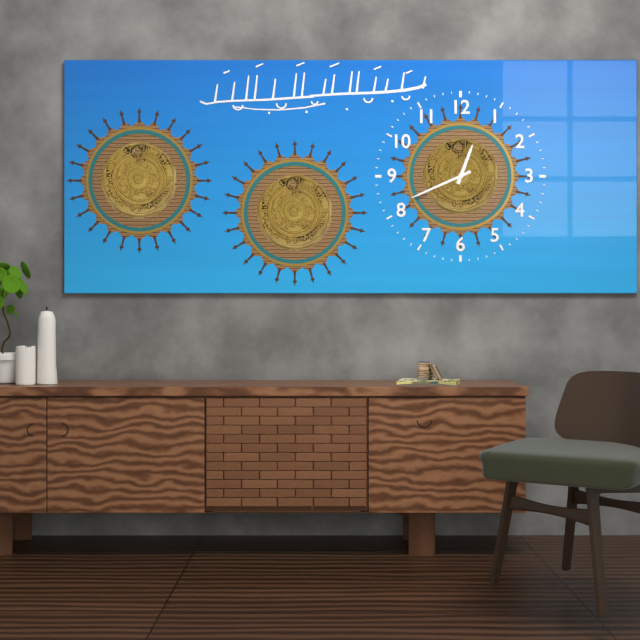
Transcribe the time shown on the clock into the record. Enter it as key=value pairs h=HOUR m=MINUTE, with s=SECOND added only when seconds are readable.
h=12 m=41
